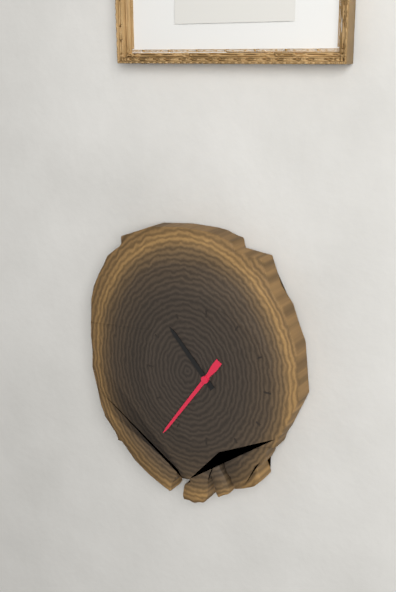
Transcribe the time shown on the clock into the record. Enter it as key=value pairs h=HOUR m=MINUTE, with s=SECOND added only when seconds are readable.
h=10 m=36
